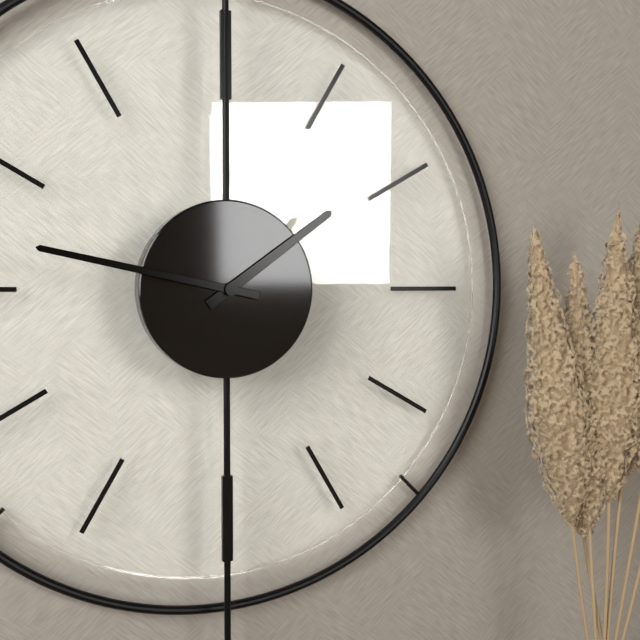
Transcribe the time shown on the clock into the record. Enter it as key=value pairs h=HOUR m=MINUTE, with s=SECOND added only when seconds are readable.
h=1 m=47
